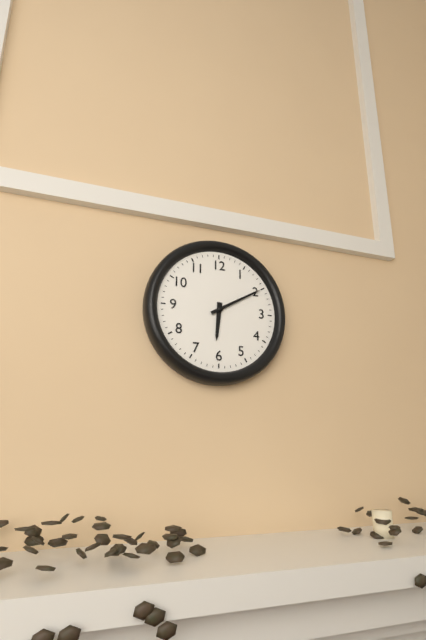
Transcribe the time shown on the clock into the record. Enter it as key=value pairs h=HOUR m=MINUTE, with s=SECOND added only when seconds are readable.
h=6 m=10
